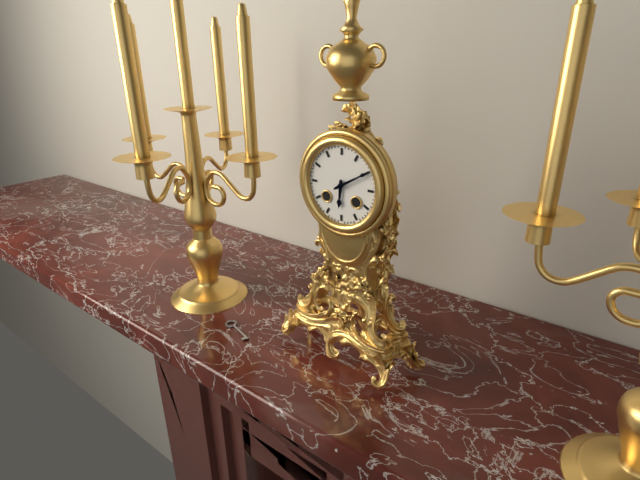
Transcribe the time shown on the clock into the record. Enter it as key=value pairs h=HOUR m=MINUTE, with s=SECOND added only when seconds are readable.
h=6 m=10
